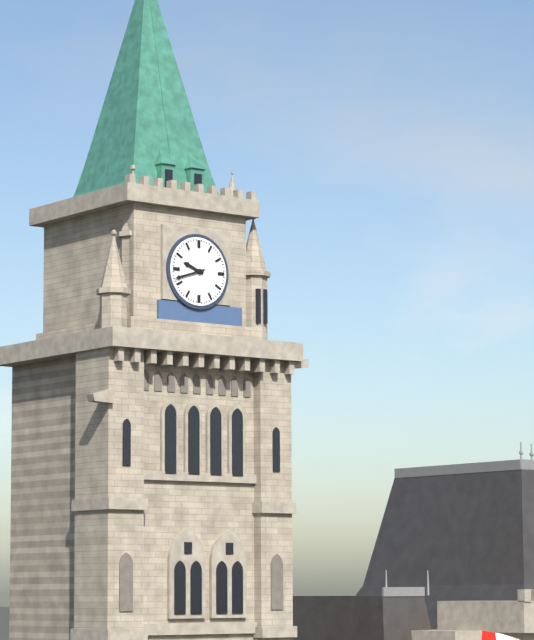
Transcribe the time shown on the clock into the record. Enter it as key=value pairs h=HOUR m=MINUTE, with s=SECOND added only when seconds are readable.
h=9 m=42
